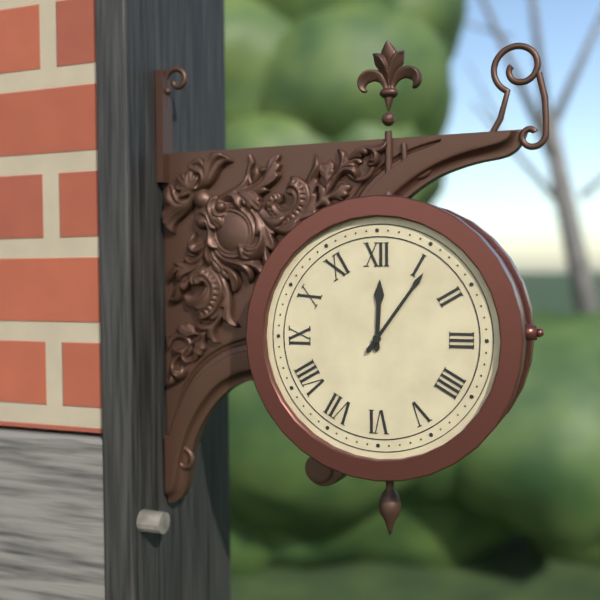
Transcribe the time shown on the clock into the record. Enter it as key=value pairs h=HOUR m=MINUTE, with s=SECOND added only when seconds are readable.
h=12 m=6
